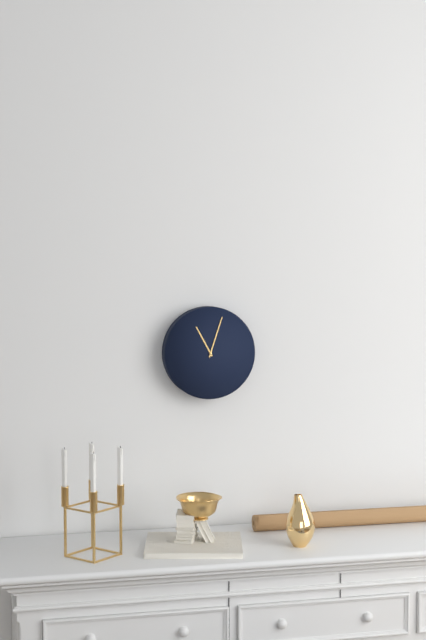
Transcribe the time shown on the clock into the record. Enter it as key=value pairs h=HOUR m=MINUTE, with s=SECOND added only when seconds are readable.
h=11 m=3
